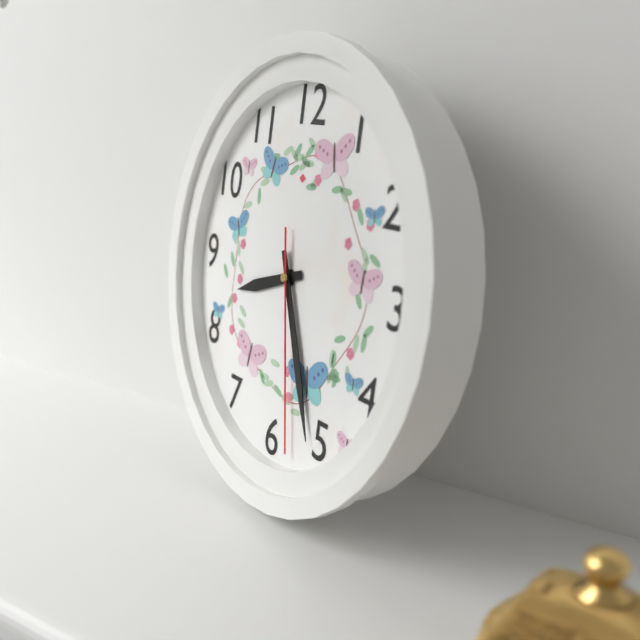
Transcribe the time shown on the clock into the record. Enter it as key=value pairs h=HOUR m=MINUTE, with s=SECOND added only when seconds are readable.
h=8 m=26 s=28
